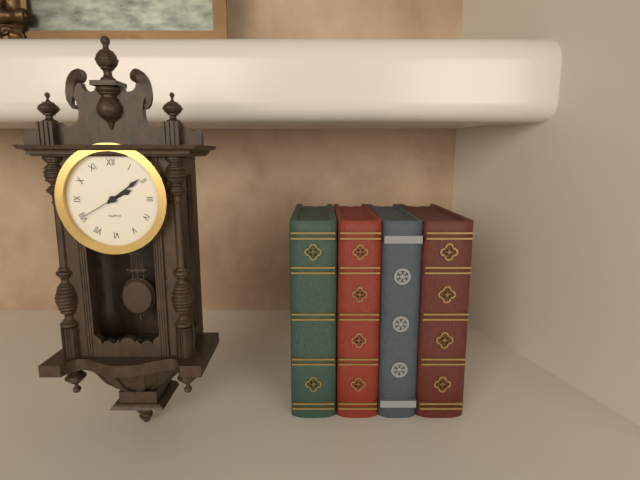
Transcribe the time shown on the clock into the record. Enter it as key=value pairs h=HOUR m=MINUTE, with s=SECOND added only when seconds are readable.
h=2 m=9
